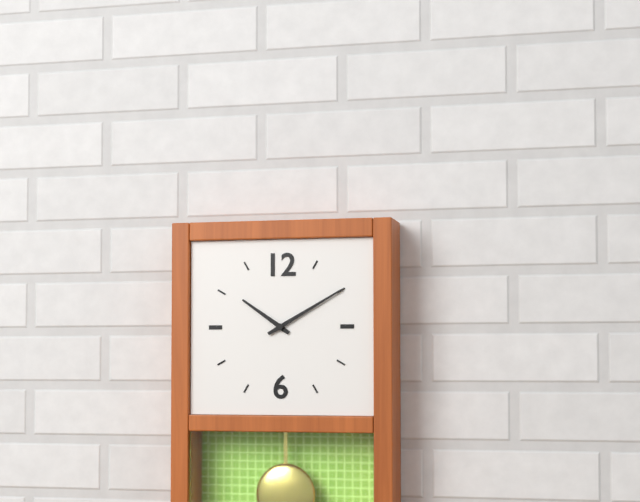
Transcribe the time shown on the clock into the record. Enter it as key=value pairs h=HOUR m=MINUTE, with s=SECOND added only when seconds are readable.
h=10 m=10
